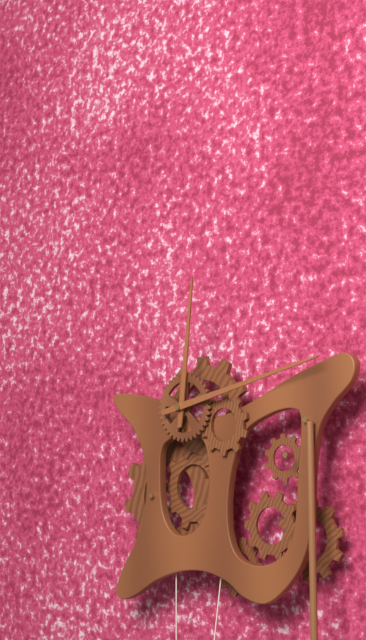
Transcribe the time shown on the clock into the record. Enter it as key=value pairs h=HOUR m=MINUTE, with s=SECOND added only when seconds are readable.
h=12 m=13
